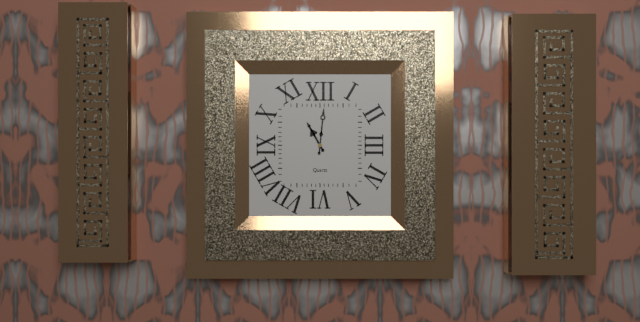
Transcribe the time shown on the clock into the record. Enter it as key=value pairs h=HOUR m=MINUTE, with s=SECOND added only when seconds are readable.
h=11 m=1
